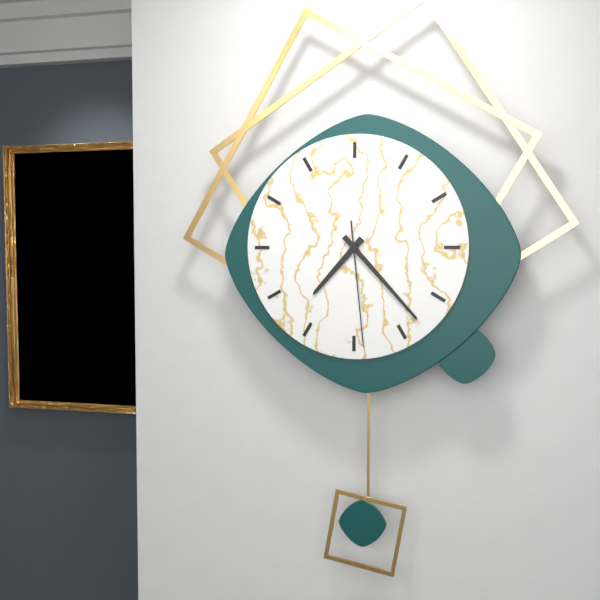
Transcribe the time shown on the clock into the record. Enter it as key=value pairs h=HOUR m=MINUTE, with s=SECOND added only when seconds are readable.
h=7 m=23 s=29
